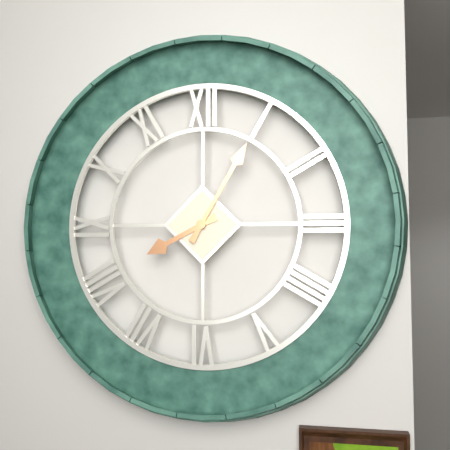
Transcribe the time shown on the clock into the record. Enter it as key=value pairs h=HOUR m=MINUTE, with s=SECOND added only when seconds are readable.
h=8 m=5
